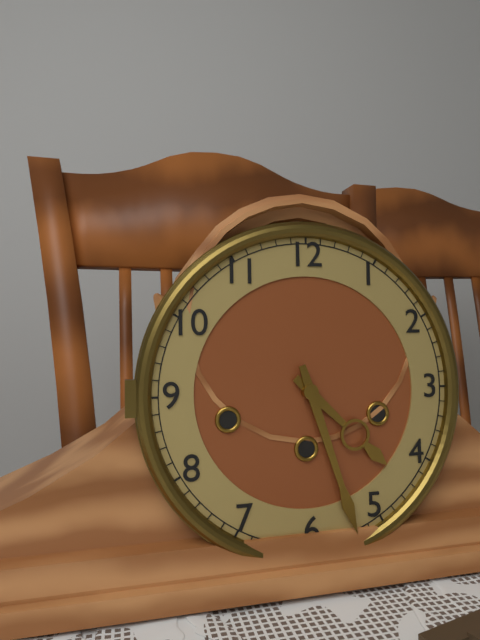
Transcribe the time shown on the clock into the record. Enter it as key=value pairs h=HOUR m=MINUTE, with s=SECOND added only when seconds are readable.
h=4 m=27
